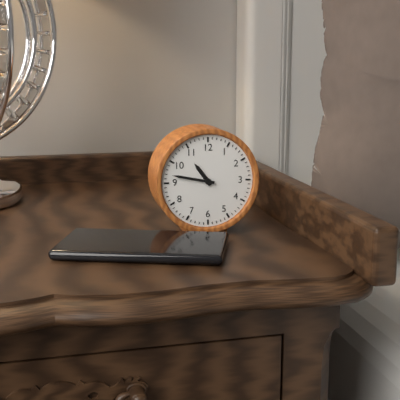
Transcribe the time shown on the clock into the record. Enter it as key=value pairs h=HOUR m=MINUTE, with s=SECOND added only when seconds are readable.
h=10 m=47
